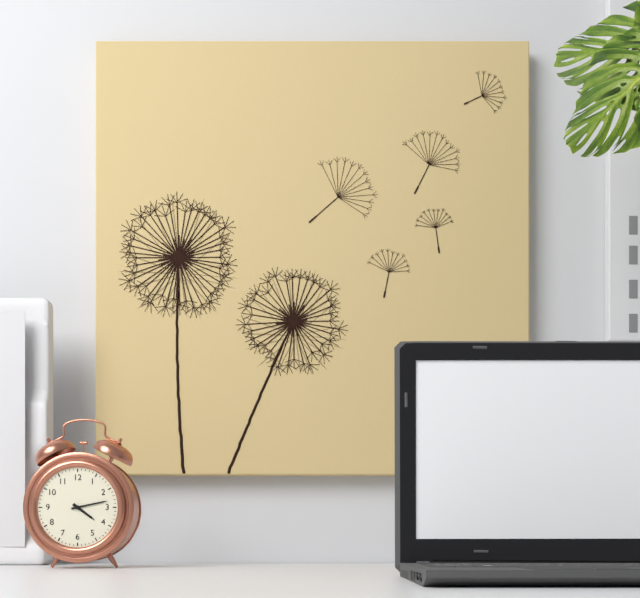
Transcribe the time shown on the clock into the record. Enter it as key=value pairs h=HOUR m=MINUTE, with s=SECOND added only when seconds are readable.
h=4 m=13
